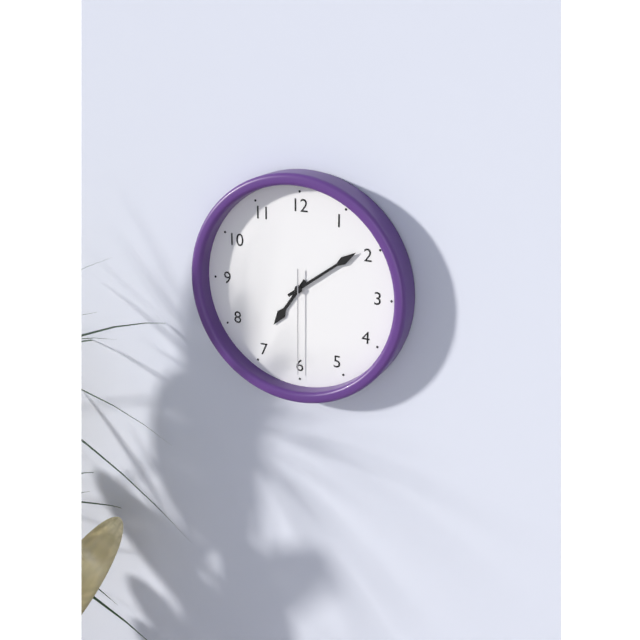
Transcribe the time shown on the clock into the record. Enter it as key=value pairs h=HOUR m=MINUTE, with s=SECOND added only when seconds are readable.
h=7 m=9 s=30
